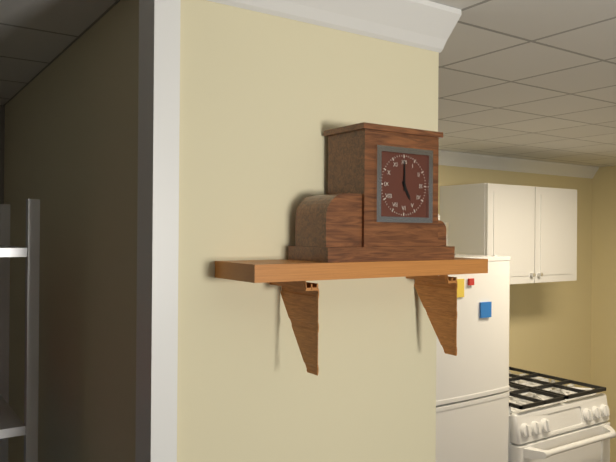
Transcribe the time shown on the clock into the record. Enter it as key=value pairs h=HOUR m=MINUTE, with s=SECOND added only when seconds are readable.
h=5 m=0
